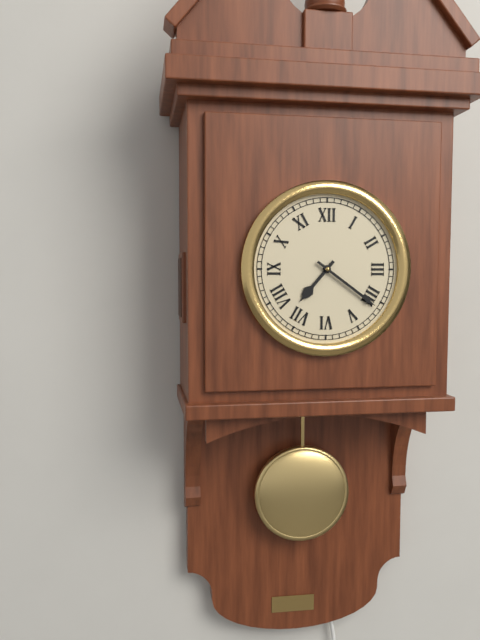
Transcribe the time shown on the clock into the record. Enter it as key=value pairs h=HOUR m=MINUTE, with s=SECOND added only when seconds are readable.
h=7 m=21
